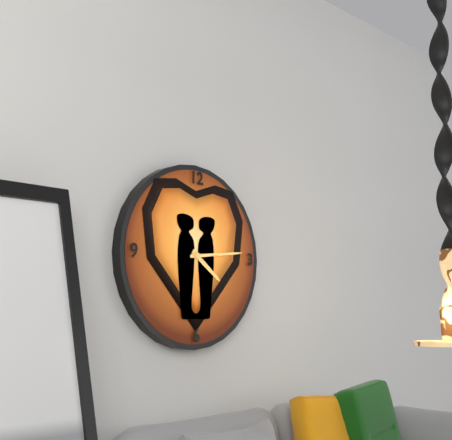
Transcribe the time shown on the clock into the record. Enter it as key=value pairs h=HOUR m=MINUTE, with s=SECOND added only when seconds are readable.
h=4 m=14
